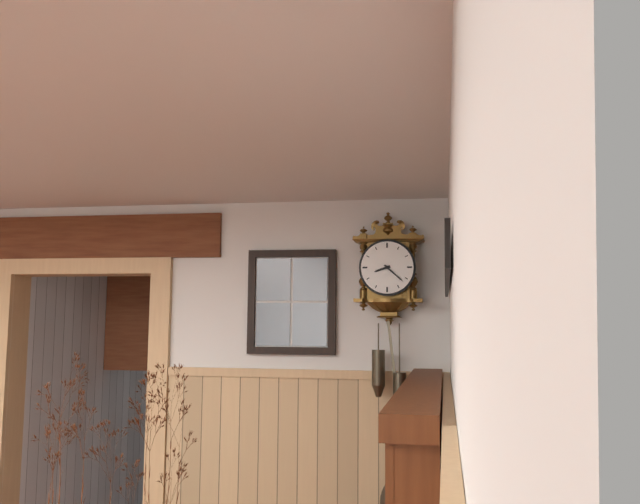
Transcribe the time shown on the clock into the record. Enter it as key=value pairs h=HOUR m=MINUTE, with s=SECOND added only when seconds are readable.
h=8 m=22
